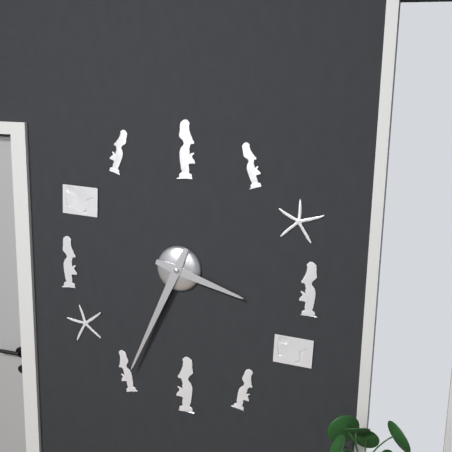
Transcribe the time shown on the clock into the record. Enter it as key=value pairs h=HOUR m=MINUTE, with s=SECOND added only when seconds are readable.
h=3 m=34
